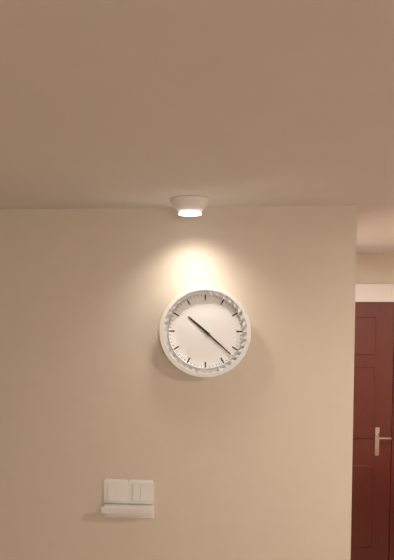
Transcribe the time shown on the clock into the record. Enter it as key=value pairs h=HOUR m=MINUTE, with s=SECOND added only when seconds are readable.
h=10 m=22
